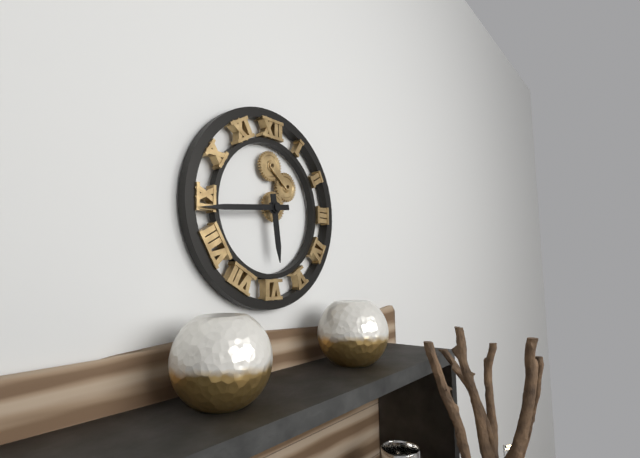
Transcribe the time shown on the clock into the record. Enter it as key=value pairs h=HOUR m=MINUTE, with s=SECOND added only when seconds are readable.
h=5 m=44
